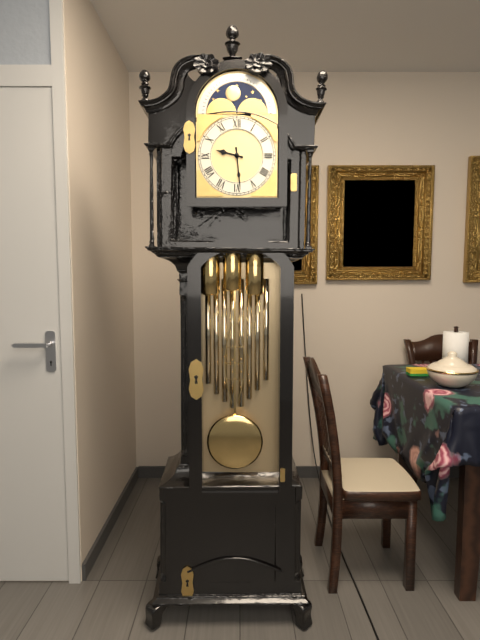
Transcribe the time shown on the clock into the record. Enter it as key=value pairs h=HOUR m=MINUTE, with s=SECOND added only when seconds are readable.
h=9 m=29
